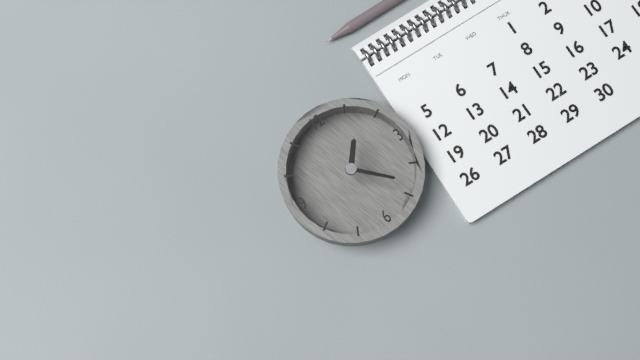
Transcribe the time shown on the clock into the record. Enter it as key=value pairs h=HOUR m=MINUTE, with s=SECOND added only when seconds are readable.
h=1 m=23
